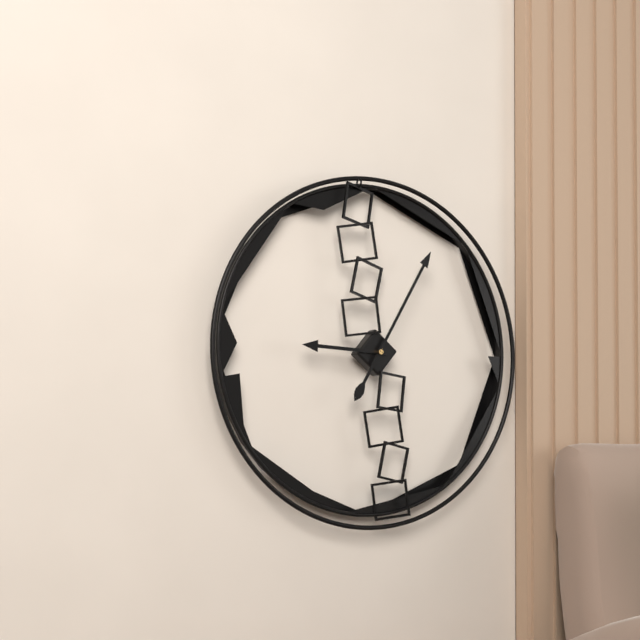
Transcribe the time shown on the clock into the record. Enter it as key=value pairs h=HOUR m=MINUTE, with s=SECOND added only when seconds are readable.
h=9 m=5
